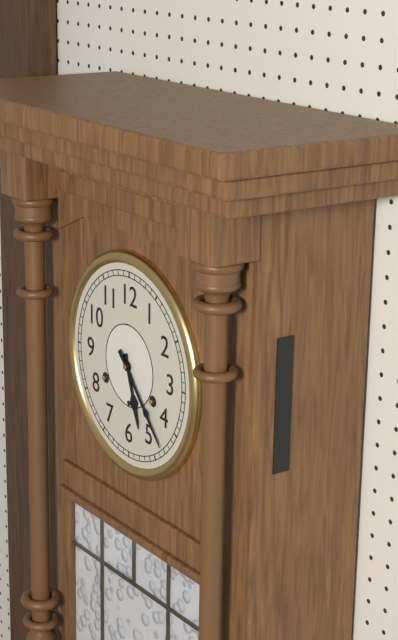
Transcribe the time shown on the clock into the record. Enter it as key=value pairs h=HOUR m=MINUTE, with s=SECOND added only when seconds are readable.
h=5 m=23
